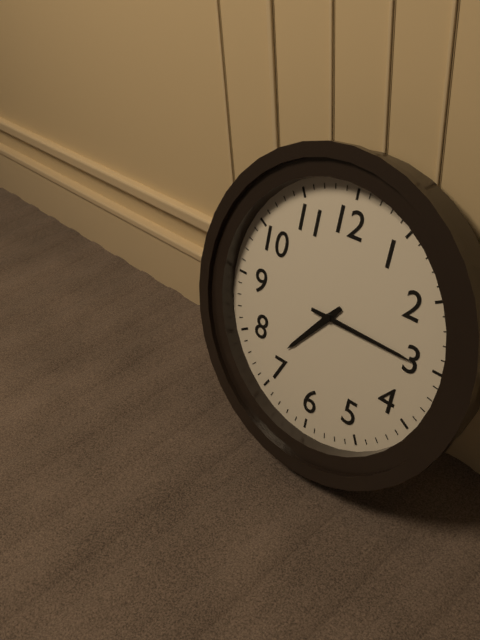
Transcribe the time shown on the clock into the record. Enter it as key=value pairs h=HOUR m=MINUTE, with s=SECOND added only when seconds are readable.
h=7 m=15
